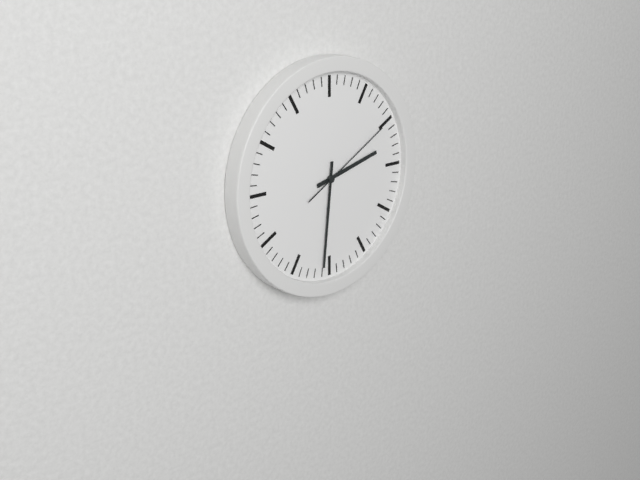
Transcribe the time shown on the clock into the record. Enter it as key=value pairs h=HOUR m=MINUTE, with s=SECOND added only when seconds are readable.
h=2 m=31 s=10
